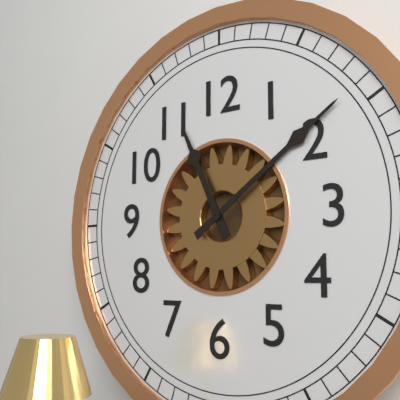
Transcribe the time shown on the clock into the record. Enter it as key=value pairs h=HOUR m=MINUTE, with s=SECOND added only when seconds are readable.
h=11 m=9
